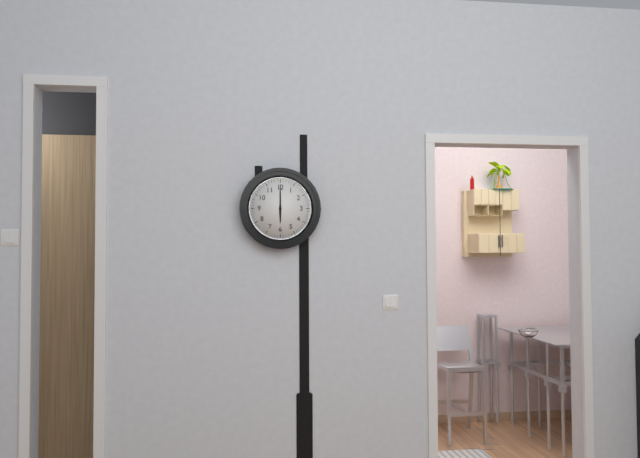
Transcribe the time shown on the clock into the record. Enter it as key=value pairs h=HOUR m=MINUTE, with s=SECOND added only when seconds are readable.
h=6 m=0
